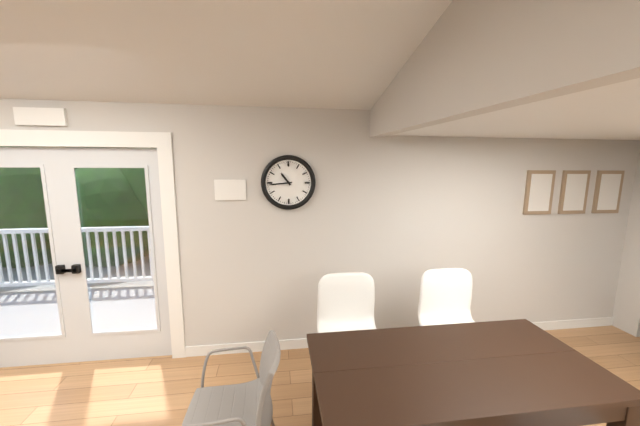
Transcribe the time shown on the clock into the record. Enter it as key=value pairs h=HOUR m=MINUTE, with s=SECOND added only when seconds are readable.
h=10 m=44
